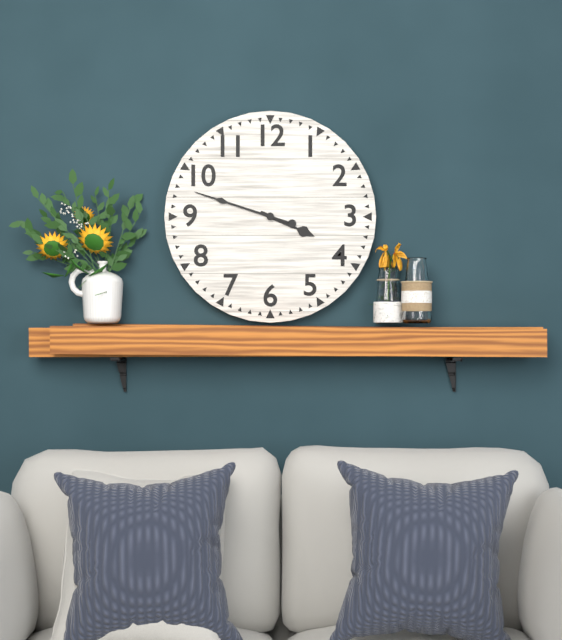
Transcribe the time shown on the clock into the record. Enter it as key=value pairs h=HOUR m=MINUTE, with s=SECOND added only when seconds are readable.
h=3 m=48
